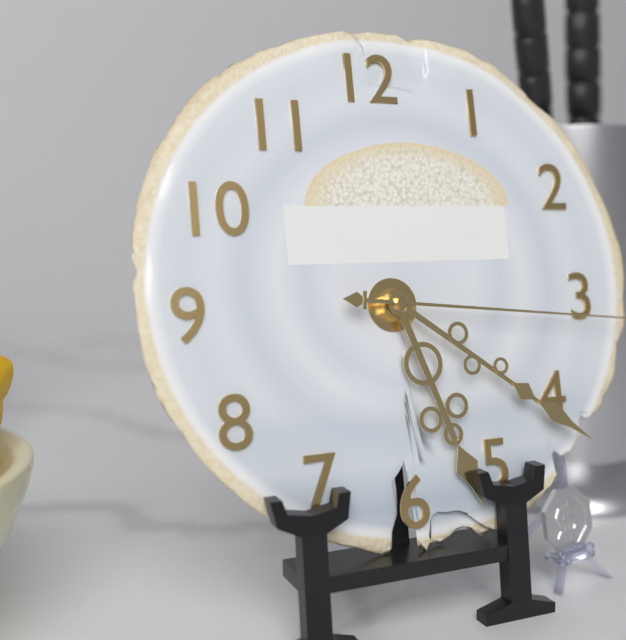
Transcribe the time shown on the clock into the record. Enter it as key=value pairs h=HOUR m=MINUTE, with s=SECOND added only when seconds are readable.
h=5 m=21
